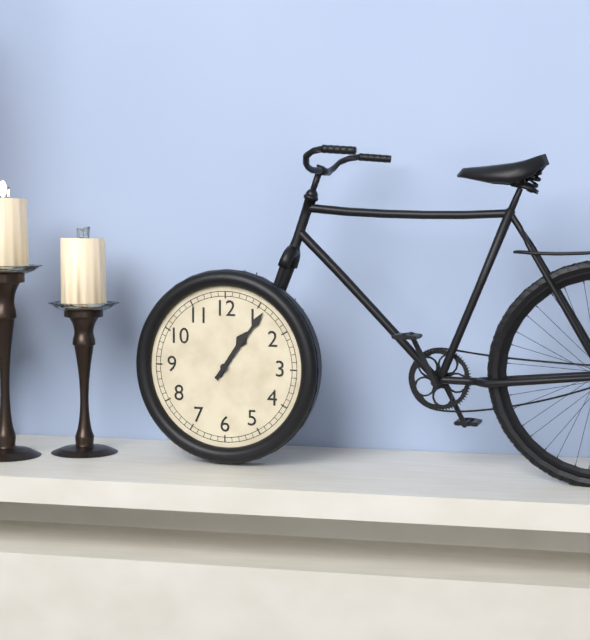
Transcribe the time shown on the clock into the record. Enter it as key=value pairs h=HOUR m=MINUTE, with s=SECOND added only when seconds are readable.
h=1 m=6
